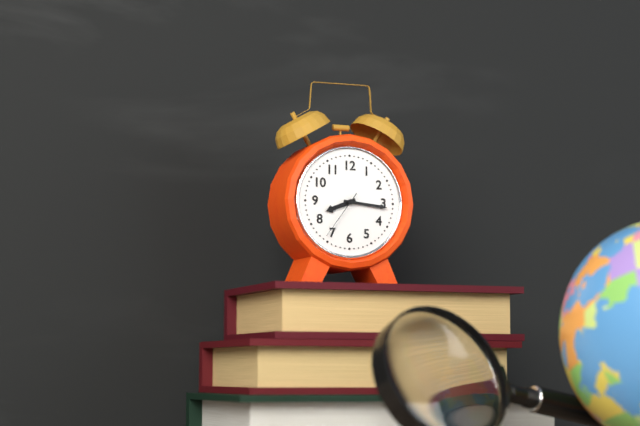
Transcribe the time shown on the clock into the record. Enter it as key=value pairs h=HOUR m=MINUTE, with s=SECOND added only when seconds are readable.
h=8 m=16 s=36
